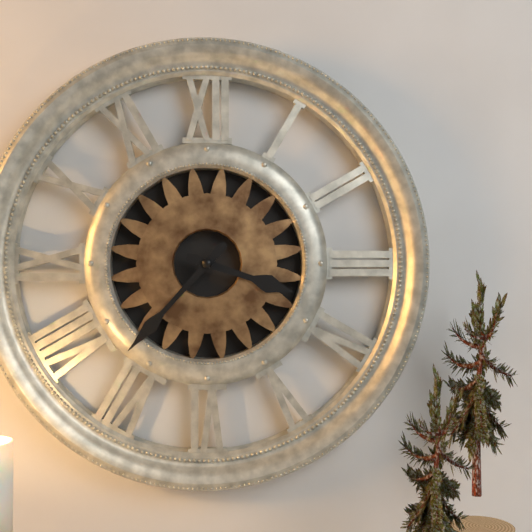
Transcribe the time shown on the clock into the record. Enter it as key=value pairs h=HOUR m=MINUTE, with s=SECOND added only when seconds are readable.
h=3 m=37
